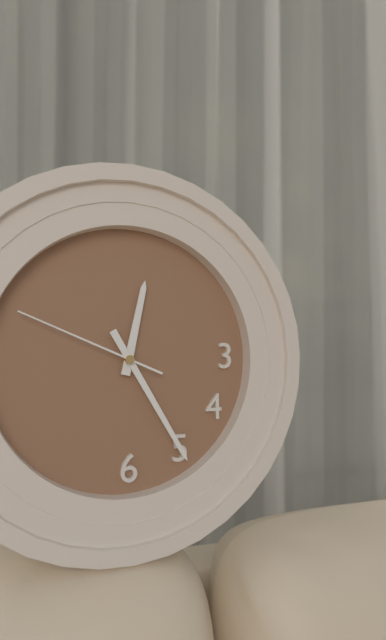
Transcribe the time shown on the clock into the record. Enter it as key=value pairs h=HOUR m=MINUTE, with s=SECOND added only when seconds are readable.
h=12 m=25 s=49
